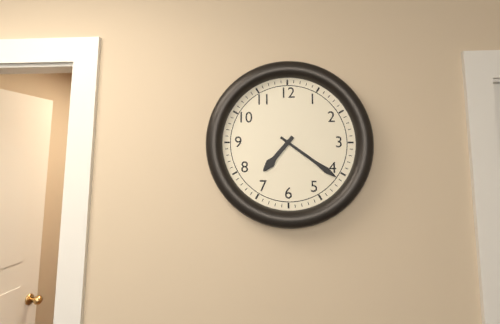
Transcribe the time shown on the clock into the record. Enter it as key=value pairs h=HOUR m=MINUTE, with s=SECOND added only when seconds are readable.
h=7 m=21
